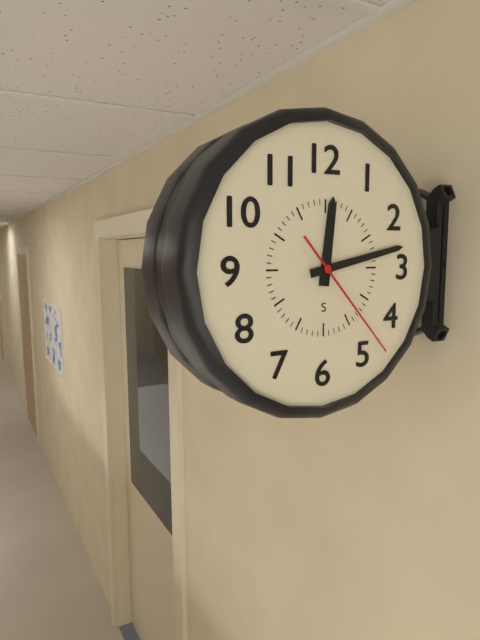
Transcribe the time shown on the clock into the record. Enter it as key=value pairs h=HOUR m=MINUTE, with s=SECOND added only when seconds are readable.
h=12 m=13 s=23
